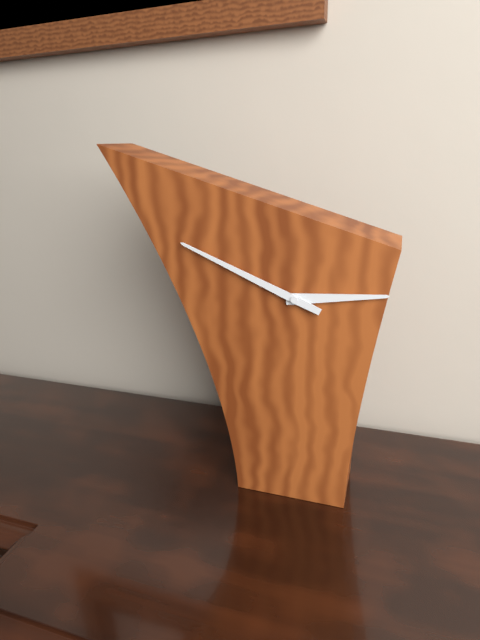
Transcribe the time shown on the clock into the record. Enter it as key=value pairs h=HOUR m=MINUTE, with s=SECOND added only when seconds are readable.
h=2 m=49
